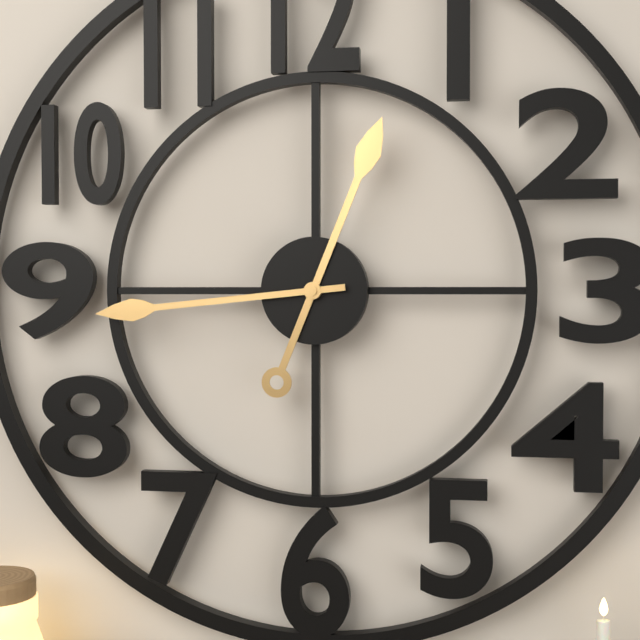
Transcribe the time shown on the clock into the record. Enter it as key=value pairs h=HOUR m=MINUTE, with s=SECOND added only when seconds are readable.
h=12 m=44
